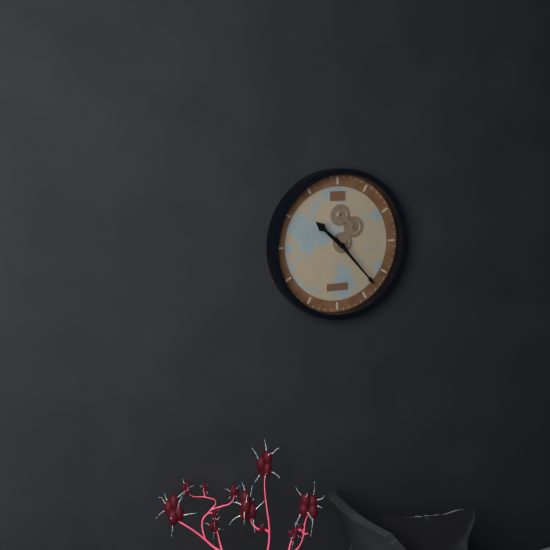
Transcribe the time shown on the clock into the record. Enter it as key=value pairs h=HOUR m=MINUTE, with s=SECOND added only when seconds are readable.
h=10 m=23
